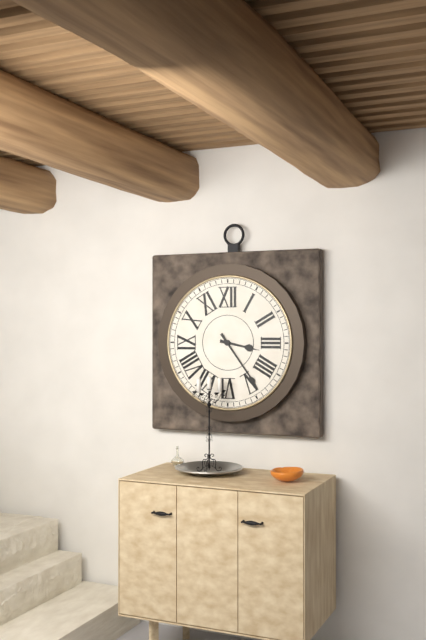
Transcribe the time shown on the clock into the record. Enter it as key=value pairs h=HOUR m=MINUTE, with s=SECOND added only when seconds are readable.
h=3 m=24
